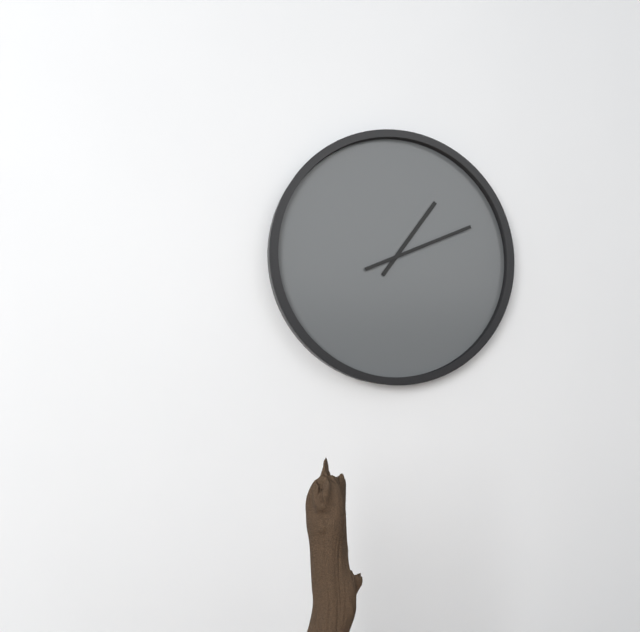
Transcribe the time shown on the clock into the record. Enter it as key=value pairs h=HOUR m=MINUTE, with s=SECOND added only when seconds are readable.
h=1 m=11
